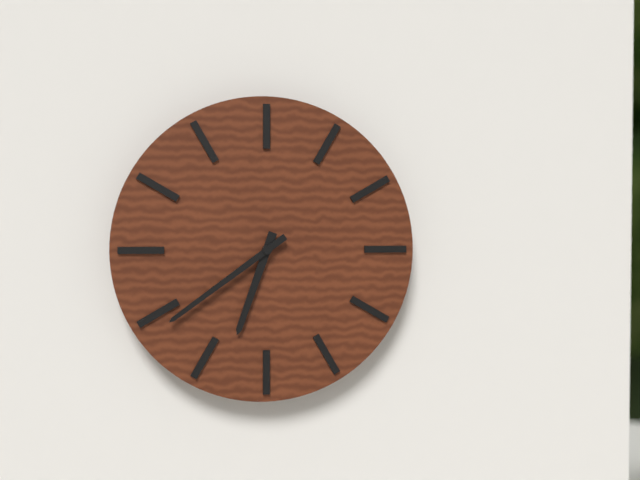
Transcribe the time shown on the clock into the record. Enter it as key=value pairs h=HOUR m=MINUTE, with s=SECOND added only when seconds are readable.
h=6 m=39
